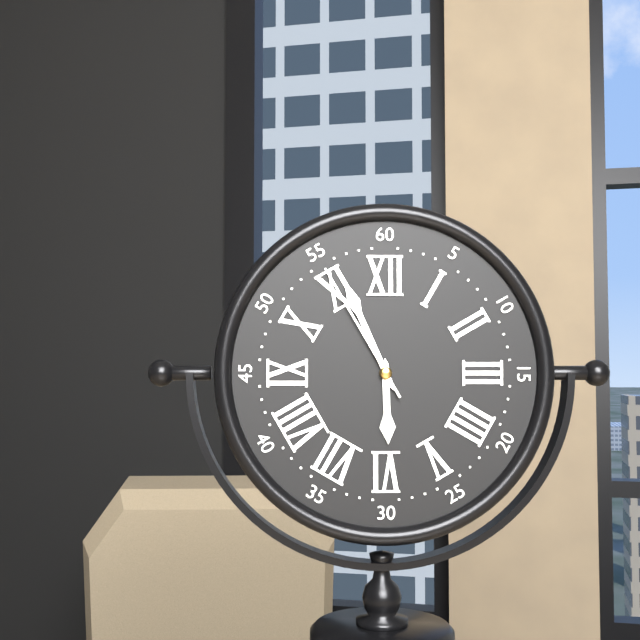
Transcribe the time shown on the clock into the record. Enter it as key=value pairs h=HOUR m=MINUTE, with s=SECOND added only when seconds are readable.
h=5 m=56 s=55
